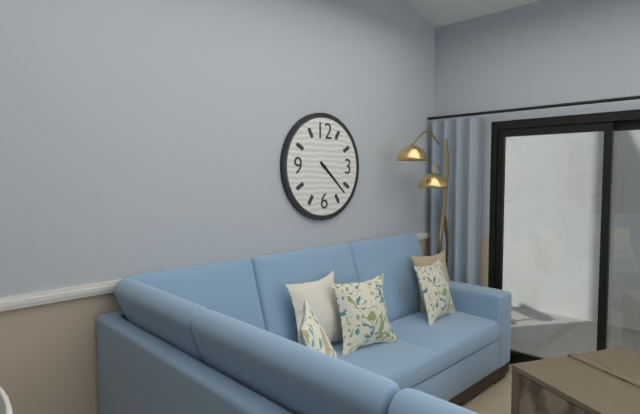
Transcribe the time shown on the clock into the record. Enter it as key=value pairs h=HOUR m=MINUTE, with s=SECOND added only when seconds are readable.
h=4 m=22
